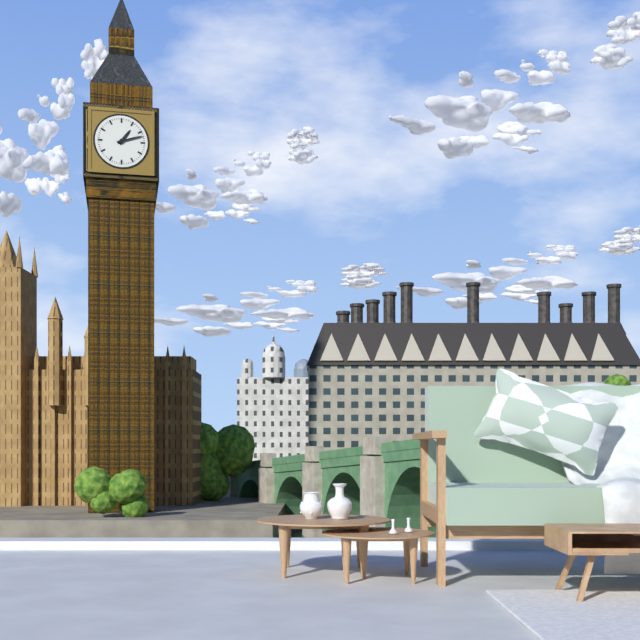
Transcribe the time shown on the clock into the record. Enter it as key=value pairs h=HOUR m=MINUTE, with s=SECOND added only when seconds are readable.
h=1 m=12
